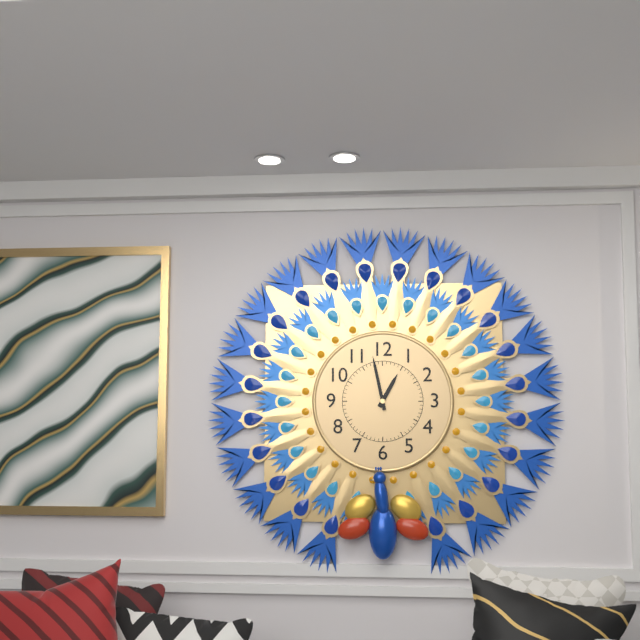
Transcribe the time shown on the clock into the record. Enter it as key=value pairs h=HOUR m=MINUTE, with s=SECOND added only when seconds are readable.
h=12 m=58
